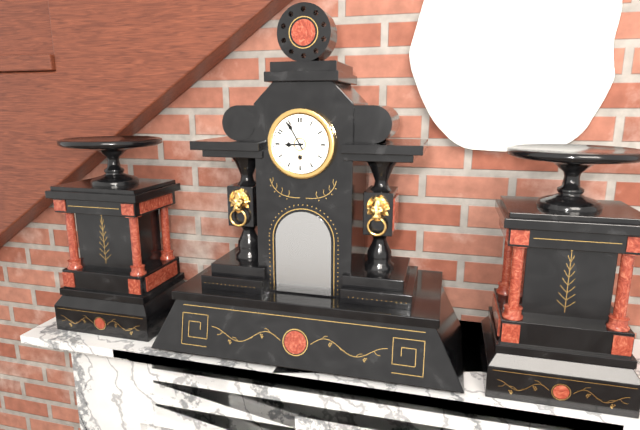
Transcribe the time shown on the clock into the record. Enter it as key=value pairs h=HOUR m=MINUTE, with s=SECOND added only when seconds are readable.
h=8 m=55
